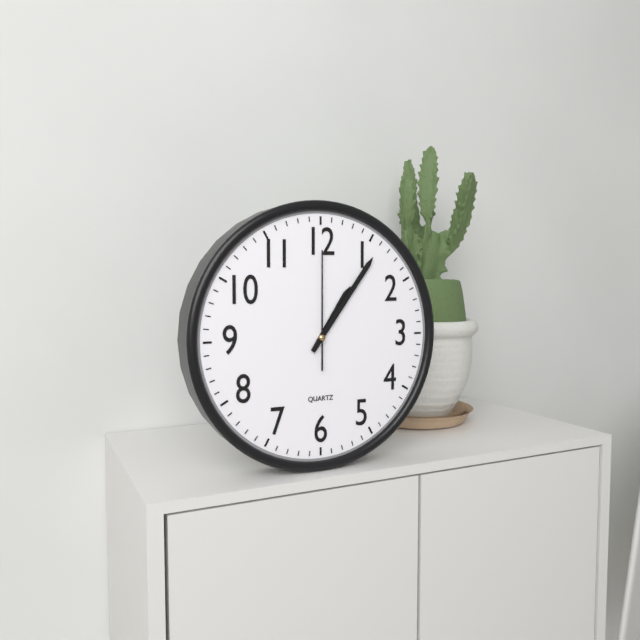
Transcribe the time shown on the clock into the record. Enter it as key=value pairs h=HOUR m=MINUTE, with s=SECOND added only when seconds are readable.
h=1 m=6 s=0
